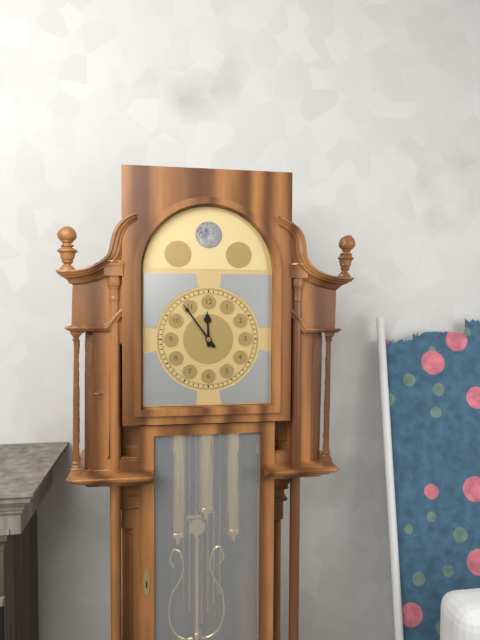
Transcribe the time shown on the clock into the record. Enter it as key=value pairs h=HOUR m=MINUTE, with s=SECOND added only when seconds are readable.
h=11 m=54
